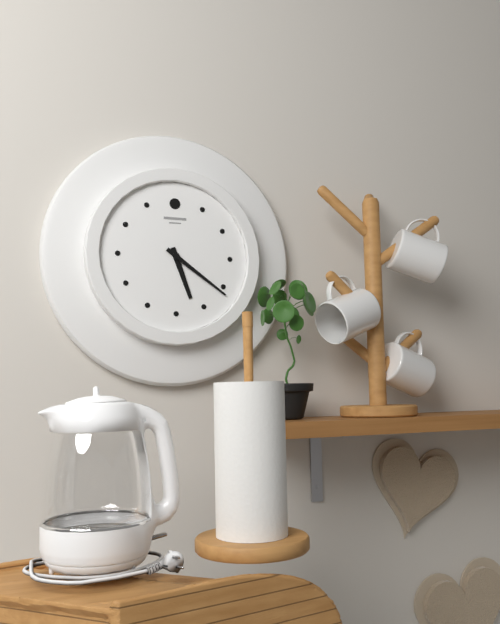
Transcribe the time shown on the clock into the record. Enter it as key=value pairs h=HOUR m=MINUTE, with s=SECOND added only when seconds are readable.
h=5 m=21
